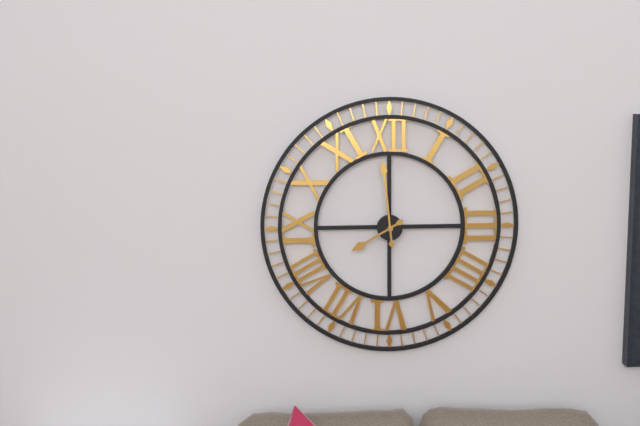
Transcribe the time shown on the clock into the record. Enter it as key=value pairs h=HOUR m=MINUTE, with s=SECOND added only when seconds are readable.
h=7 m=59
